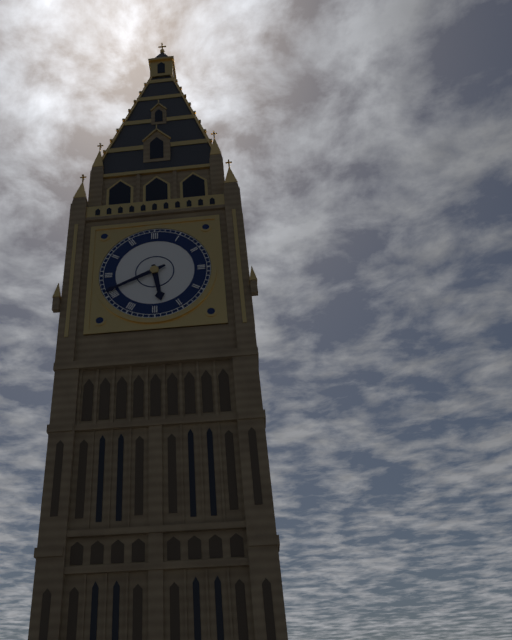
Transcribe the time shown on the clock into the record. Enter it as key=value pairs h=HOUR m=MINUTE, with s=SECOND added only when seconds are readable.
h=5 m=41
